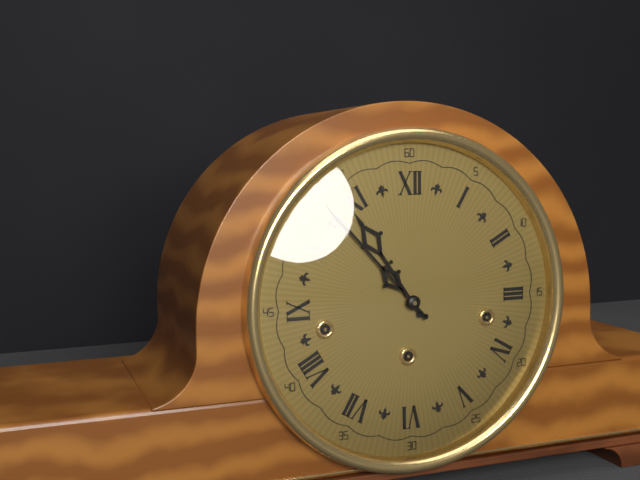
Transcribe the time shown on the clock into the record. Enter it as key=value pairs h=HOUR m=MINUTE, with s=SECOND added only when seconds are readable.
h=10 m=53
